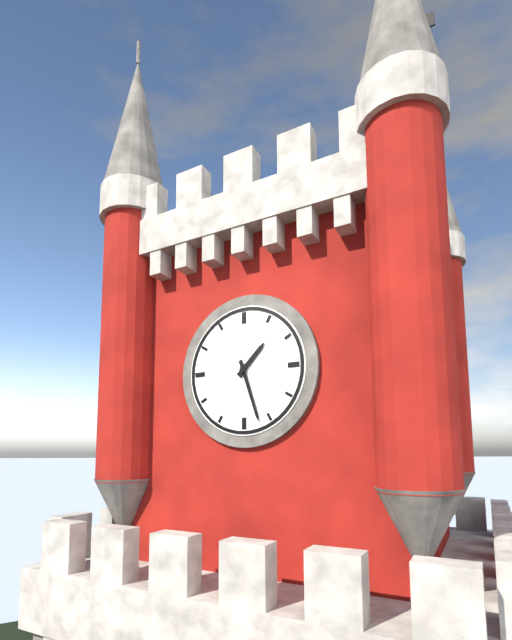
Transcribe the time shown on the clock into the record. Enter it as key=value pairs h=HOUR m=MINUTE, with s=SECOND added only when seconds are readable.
h=1 m=27
